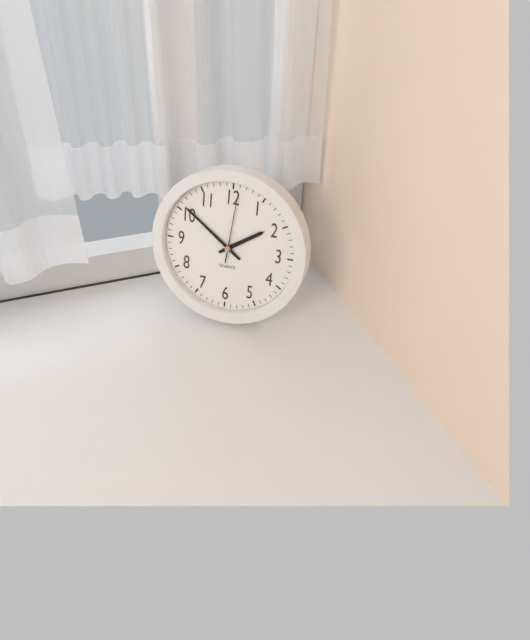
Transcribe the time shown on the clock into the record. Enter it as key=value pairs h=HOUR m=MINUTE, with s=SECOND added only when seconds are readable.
h=1 m=51 s=1
